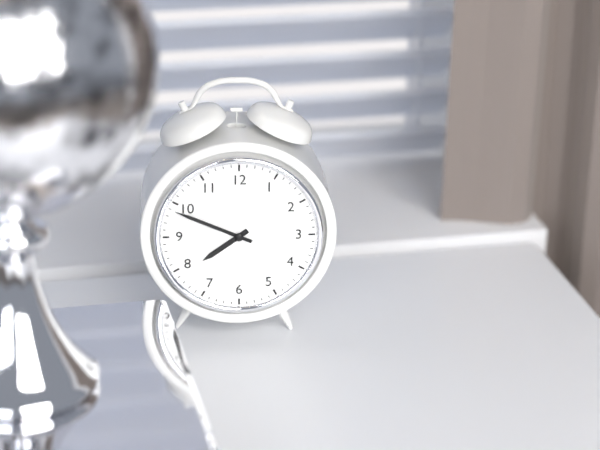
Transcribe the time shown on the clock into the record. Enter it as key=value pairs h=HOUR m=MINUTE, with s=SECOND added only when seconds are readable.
h=7 m=49
